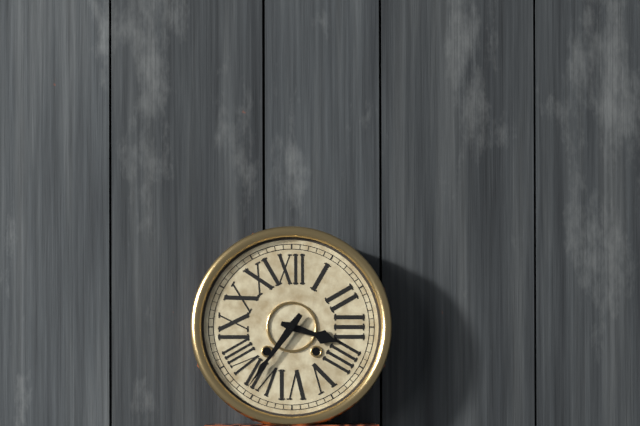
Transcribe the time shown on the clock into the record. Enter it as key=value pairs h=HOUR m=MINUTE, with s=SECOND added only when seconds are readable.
h=3 m=36
